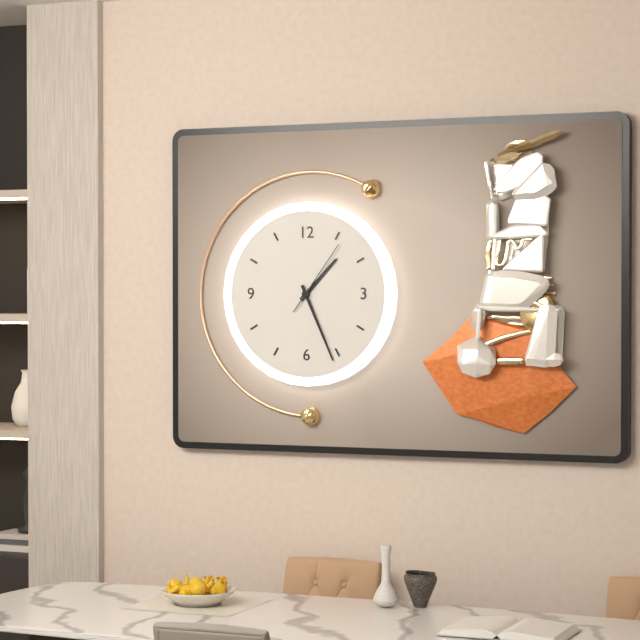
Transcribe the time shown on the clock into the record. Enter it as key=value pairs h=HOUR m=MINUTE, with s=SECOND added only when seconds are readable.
h=1 m=26 s=6
